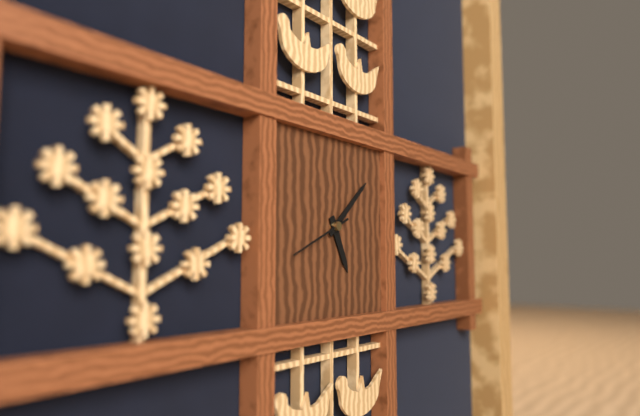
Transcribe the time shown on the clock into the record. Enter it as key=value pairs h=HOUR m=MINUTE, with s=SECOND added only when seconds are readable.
h=5 m=8
